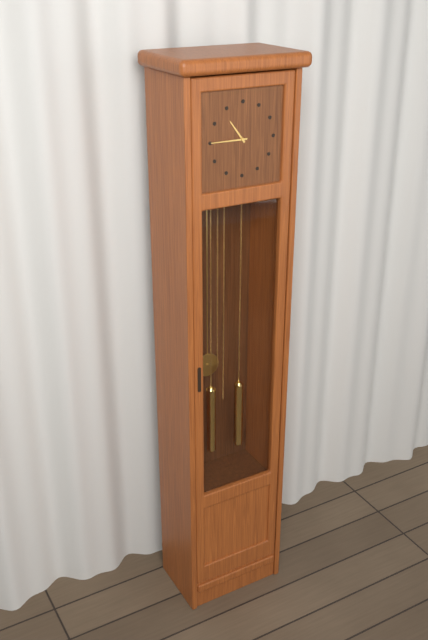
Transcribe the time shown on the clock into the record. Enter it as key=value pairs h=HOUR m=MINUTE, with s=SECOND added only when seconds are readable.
h=10 m=45
